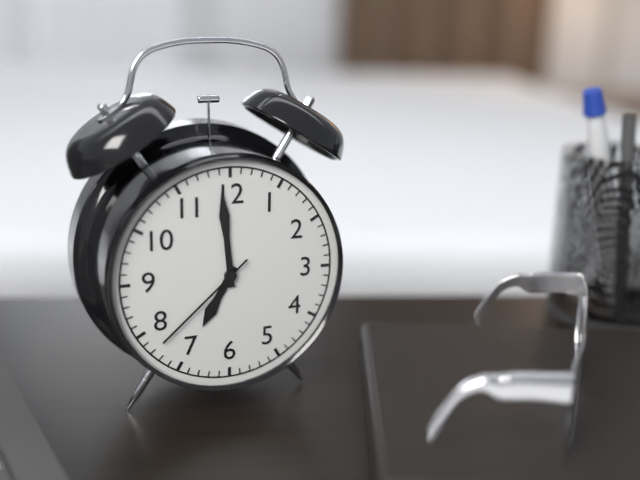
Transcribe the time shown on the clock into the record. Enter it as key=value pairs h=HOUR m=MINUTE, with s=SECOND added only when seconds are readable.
h=6 m=59 s=38
